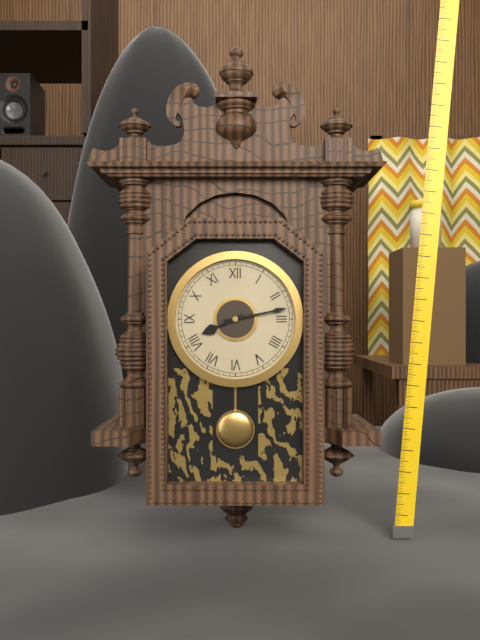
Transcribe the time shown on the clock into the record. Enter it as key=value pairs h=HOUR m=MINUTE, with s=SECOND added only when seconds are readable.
h=8 m=13
